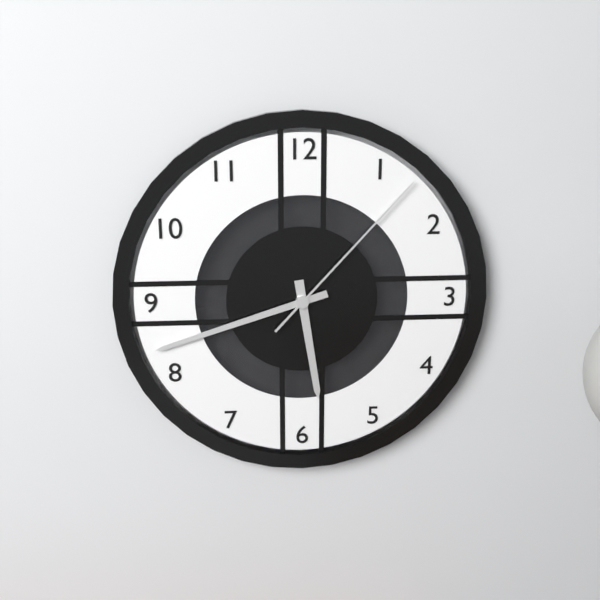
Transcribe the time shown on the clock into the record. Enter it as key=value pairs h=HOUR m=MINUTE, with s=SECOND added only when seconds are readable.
h=5 m=42 s=7
